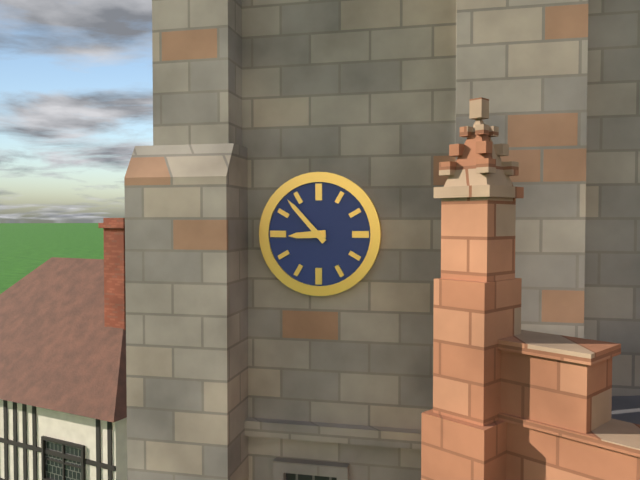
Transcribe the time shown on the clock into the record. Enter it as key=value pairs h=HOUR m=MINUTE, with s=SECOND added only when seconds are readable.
h=8 m=53
